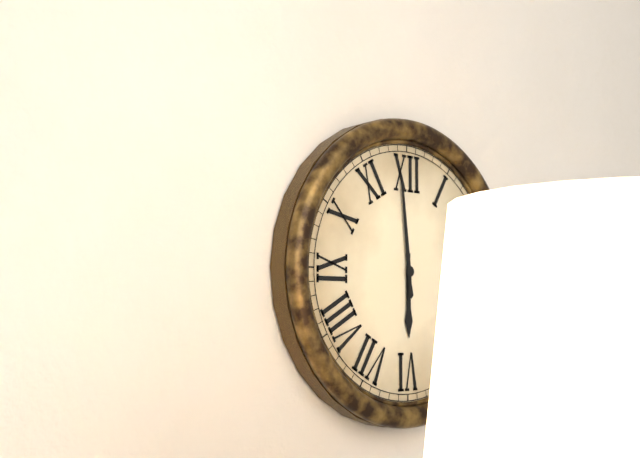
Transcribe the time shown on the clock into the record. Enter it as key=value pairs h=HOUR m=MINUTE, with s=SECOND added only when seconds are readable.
h=5 m=59
